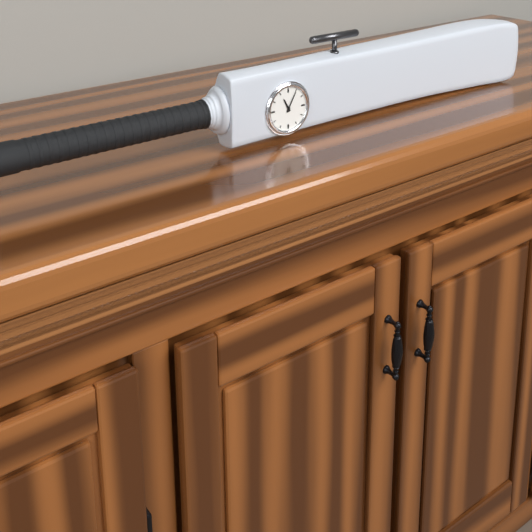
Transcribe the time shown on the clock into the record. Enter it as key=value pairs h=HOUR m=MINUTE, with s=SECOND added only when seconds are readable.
h=11 m=5
